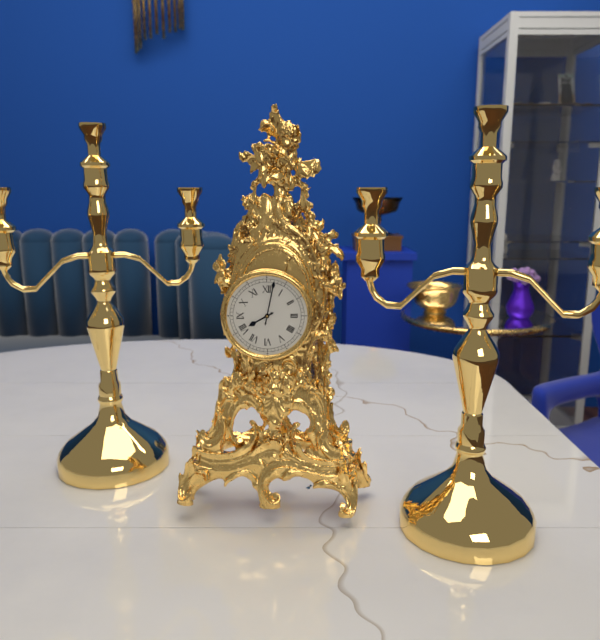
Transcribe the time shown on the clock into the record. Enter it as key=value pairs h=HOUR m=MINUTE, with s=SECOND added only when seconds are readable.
h=8 m=2
